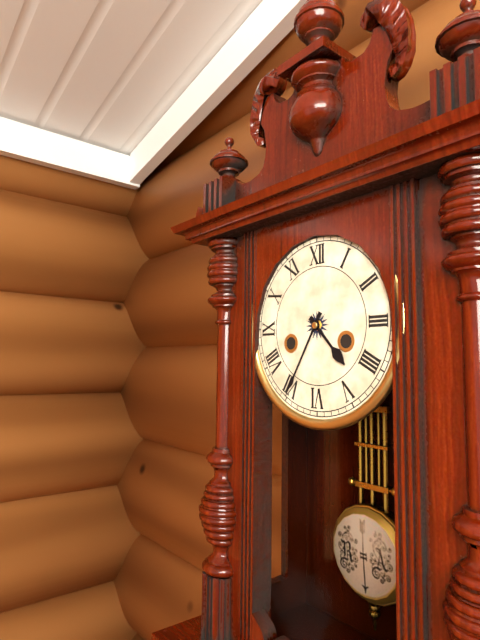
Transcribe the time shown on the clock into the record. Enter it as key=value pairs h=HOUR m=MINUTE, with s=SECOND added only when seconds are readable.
h=4 m=35
